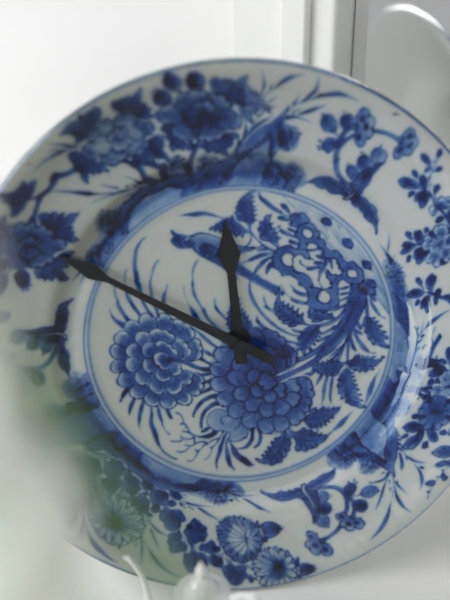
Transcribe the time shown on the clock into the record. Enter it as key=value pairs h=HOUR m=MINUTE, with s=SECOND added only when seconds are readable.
h=11 m=50
